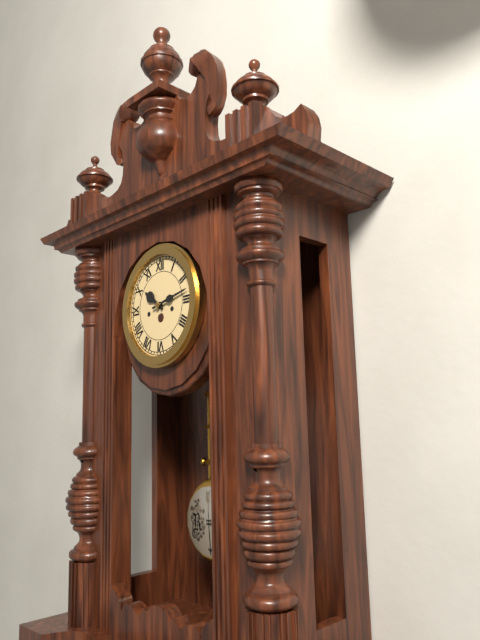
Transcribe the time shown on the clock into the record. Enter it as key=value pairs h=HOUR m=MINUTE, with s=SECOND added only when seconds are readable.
h=10 m=13
